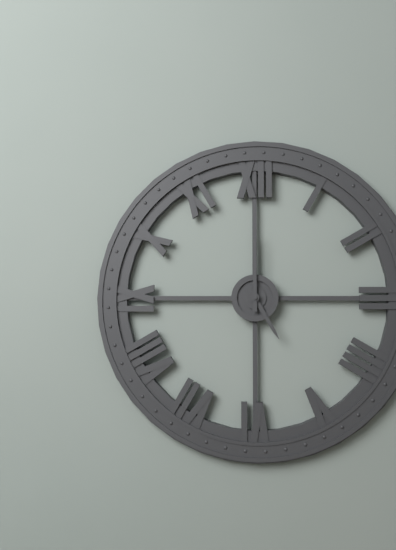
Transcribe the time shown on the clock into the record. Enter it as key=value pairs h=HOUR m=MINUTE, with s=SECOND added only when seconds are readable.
h=5 m=0
